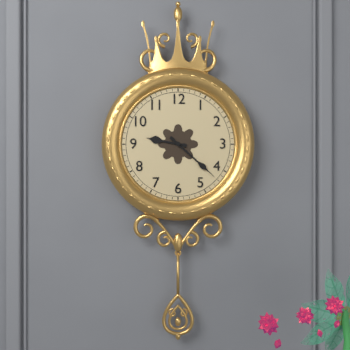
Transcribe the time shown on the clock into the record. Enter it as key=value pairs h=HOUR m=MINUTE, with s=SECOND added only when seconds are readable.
h=9 m=22
